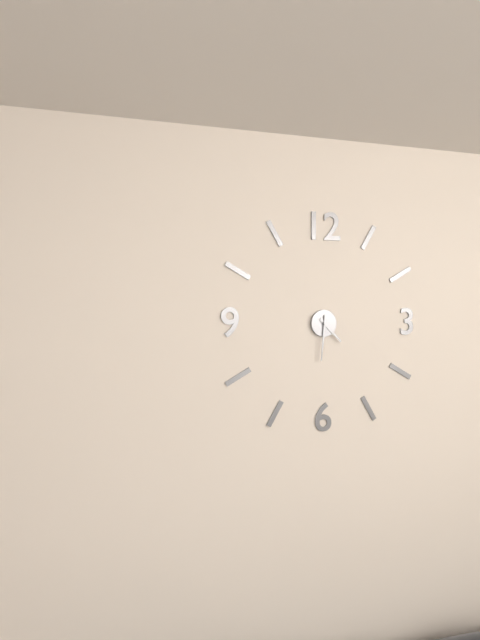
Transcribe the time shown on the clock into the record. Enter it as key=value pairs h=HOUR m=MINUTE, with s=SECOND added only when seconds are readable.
h=4 m=31
